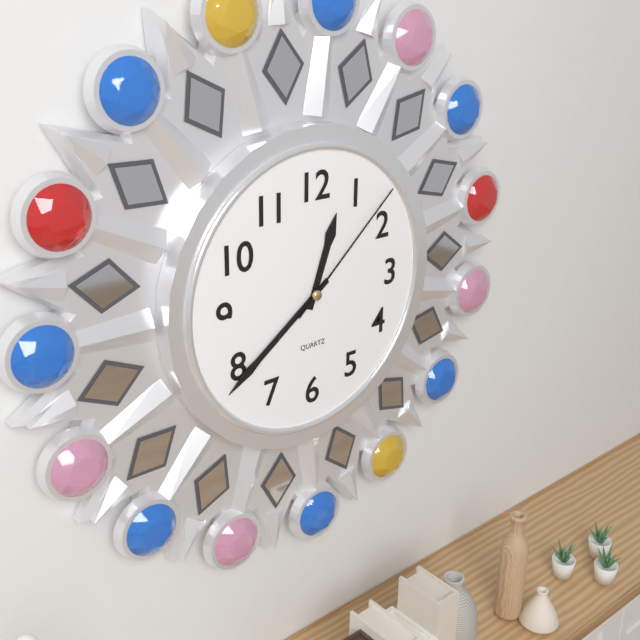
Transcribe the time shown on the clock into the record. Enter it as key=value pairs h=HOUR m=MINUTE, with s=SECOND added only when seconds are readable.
h=12 m=39 s=8
